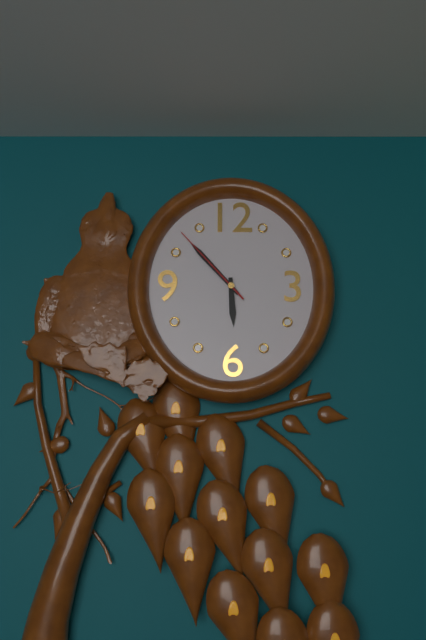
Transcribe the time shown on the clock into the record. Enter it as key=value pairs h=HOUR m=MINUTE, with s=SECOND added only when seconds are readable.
h=5 m=53 s=53
